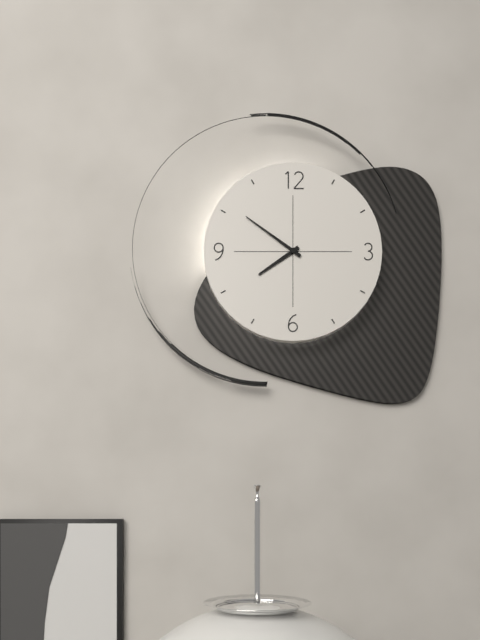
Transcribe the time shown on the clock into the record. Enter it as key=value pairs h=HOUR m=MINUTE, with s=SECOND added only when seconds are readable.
h=7 m=51
